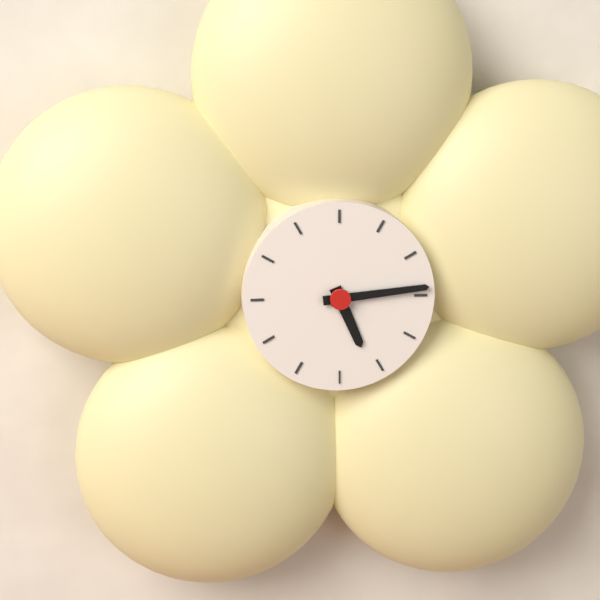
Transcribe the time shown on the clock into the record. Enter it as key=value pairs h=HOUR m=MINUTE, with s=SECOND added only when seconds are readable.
h=5 m=14
